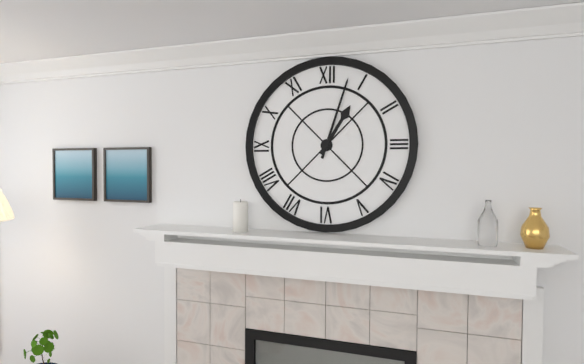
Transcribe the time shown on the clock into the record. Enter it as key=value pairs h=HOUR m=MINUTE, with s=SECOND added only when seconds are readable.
h=1 m=3
